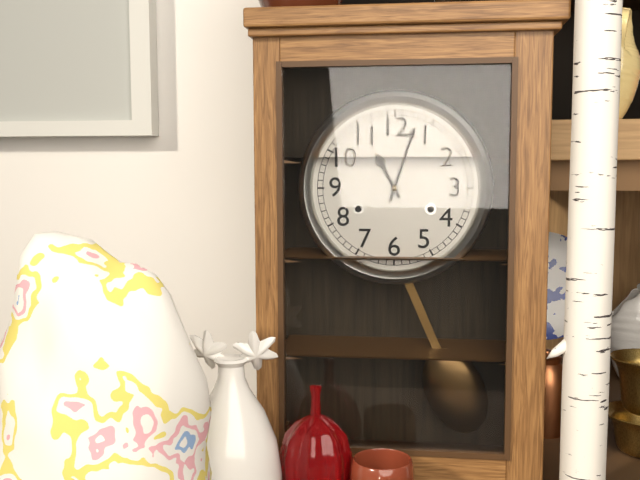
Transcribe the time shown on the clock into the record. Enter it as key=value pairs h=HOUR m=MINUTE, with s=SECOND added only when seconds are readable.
h=11 m=3
